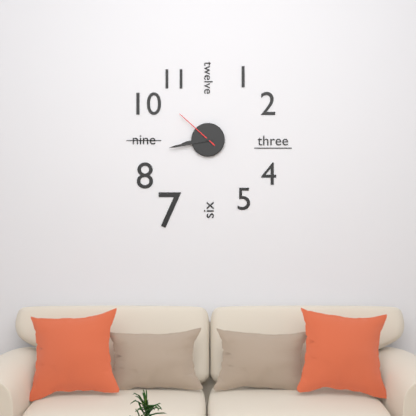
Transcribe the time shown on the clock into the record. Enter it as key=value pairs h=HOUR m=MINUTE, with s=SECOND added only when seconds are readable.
h=8 m=43
